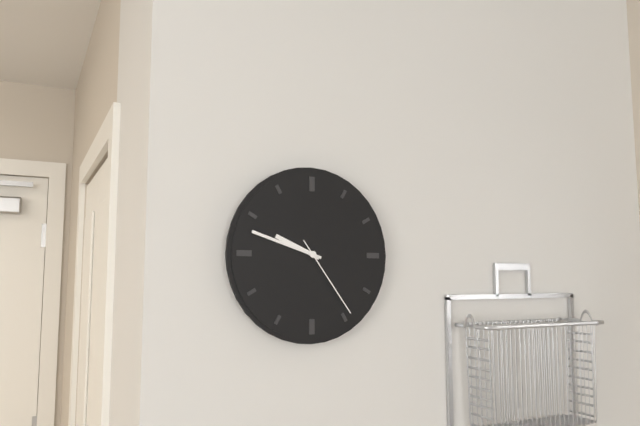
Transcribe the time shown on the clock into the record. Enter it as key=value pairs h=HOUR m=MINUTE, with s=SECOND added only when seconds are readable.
h=9 m=48 s=24
